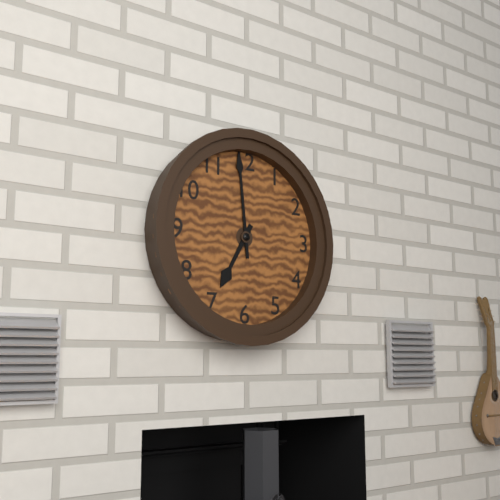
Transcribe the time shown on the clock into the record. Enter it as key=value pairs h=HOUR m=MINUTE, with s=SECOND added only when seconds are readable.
h=6 m=59
